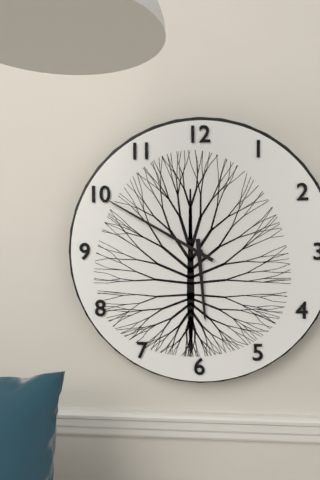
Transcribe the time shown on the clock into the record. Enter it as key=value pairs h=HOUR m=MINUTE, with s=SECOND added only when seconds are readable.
h=5 m=50
